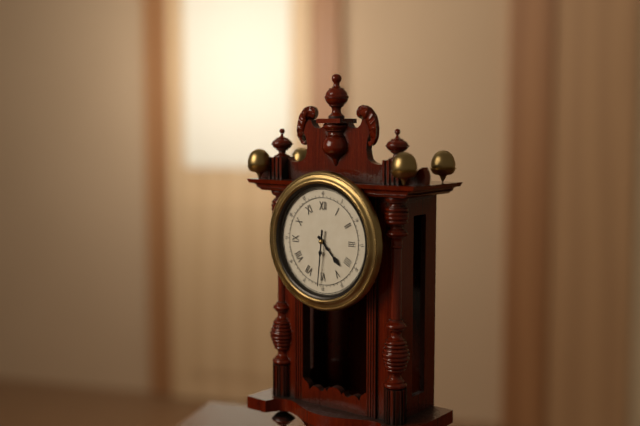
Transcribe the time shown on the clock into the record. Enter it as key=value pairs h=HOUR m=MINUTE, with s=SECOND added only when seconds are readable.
h=4 m=31
